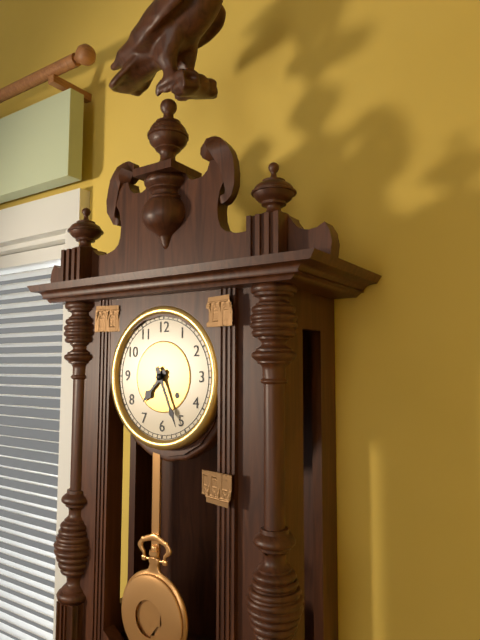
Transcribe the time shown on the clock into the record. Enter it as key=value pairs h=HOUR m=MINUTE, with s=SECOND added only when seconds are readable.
h=7 m=26
